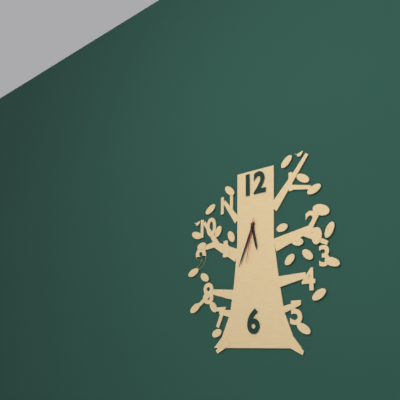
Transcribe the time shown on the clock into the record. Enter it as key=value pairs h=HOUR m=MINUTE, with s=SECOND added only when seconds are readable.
h=5 m=34
